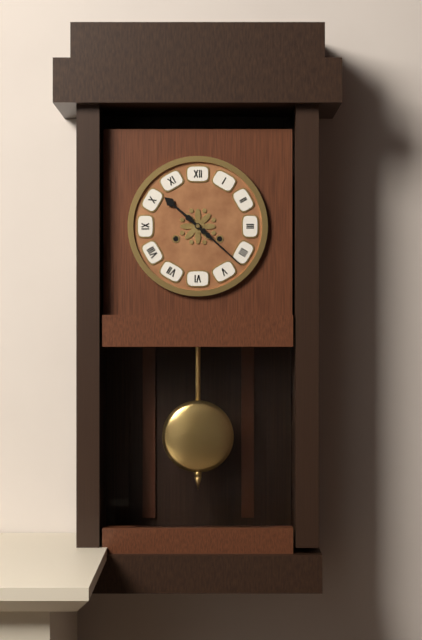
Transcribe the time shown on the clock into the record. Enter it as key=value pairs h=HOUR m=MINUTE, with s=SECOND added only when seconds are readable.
h=10 m=22
